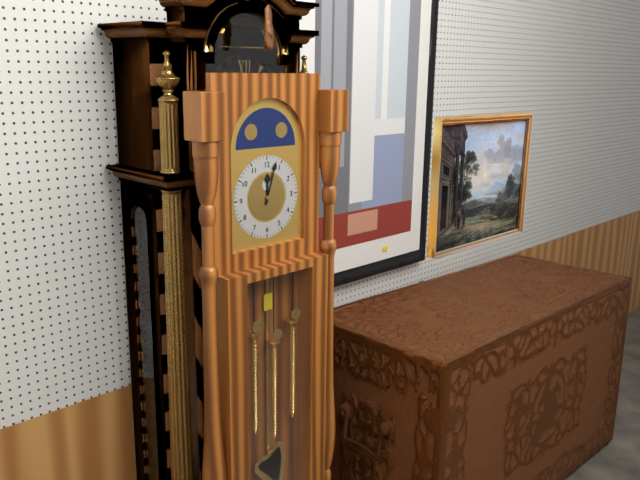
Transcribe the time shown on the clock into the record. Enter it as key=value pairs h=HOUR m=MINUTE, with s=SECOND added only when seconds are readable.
h=12 m=3
